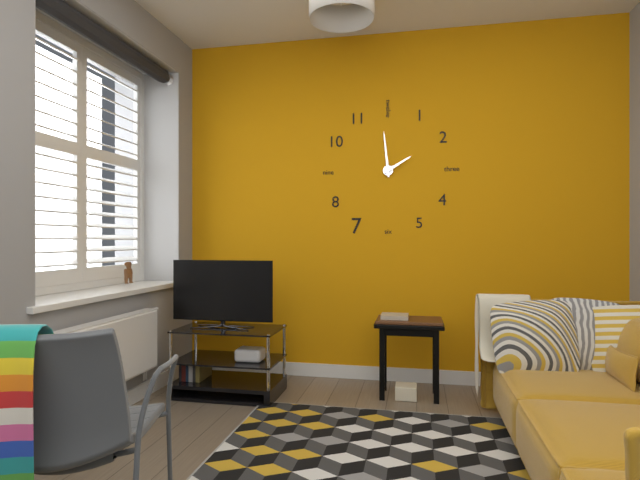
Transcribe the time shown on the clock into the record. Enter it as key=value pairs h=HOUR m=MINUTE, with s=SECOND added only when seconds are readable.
h=1 m=59
